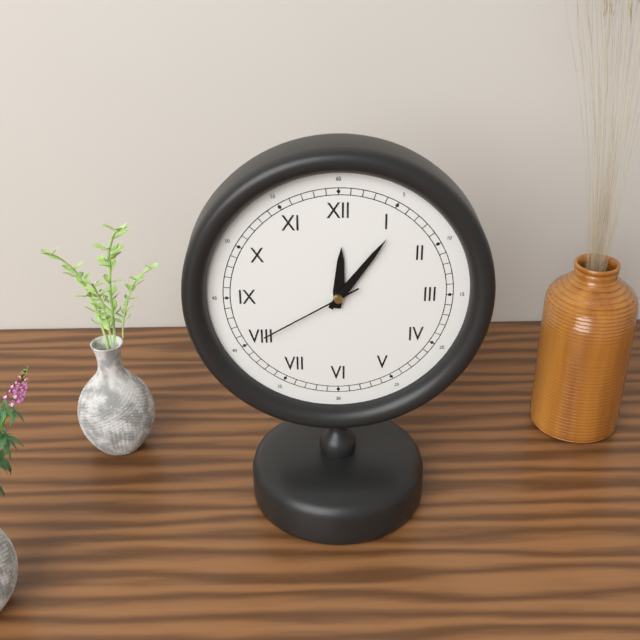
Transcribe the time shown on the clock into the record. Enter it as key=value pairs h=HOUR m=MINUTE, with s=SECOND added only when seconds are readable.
h=12 m=6 s=40
